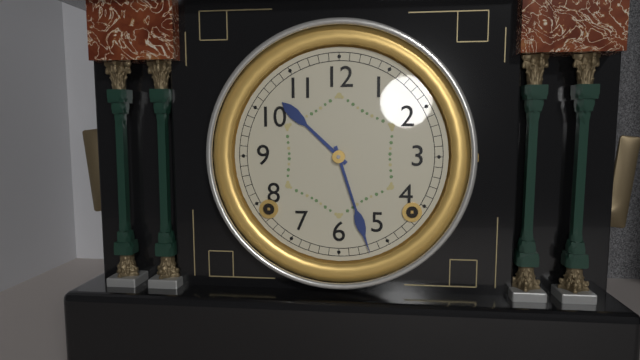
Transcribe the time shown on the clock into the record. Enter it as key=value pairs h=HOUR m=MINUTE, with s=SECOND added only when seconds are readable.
h=10 m=27
